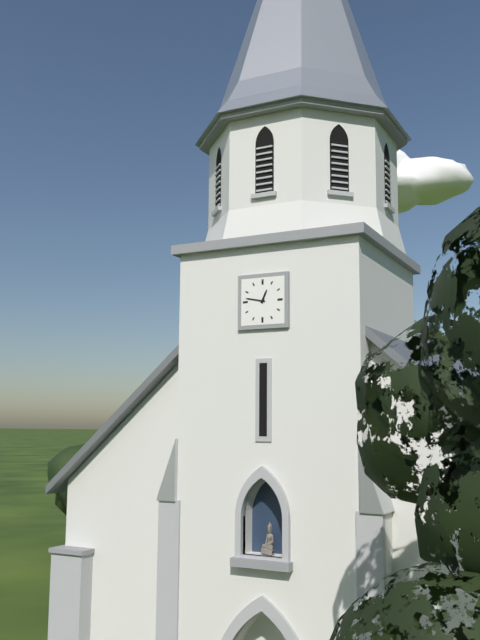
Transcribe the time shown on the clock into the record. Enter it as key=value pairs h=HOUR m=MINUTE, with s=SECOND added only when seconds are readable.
h=12 m=47
